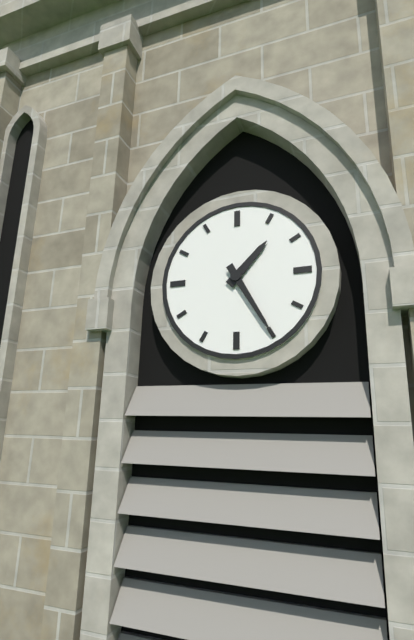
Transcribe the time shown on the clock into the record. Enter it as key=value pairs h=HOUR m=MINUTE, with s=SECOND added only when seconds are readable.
h=1 m=25
